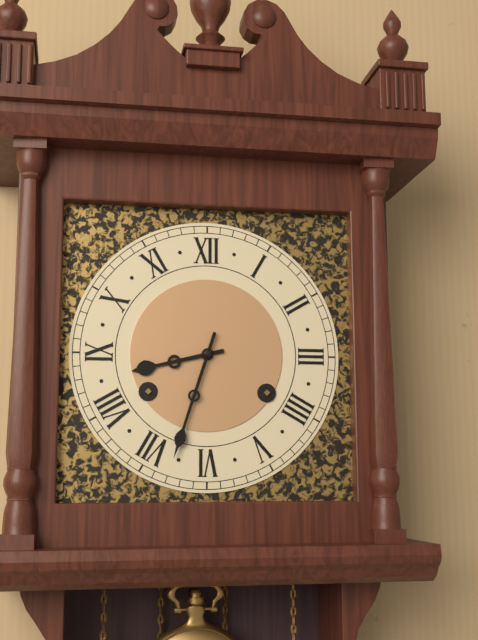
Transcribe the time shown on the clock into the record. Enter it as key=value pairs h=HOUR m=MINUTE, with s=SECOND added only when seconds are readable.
h=8 m=33
